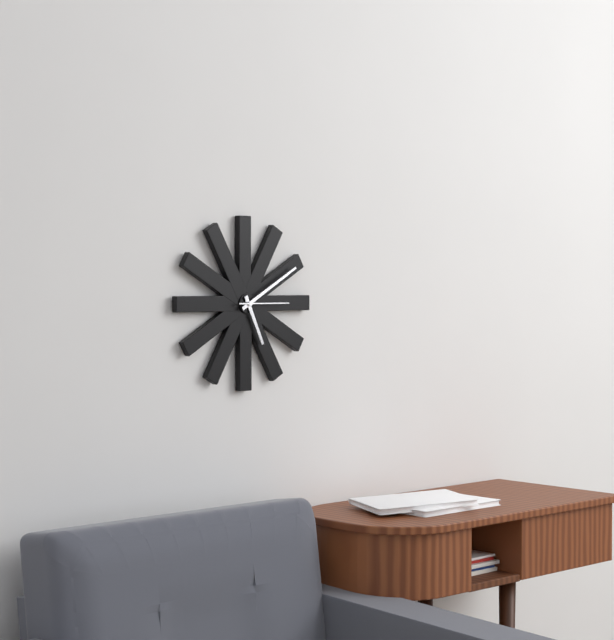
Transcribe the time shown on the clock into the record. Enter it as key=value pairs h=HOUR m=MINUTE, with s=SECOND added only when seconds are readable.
h=5 m=10
